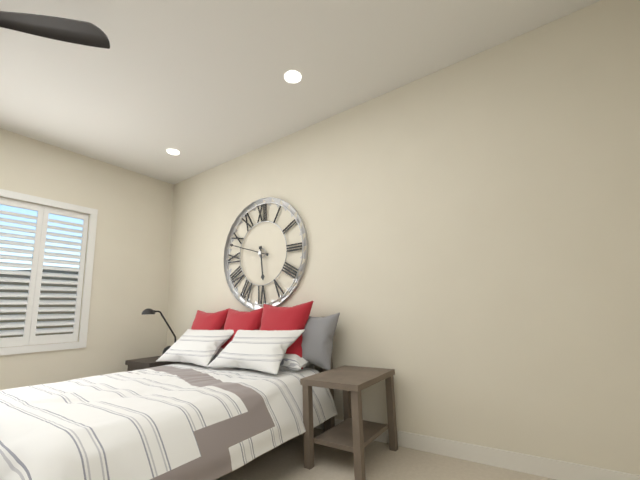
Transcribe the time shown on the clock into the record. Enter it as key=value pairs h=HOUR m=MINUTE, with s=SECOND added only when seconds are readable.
h=5 m=48
